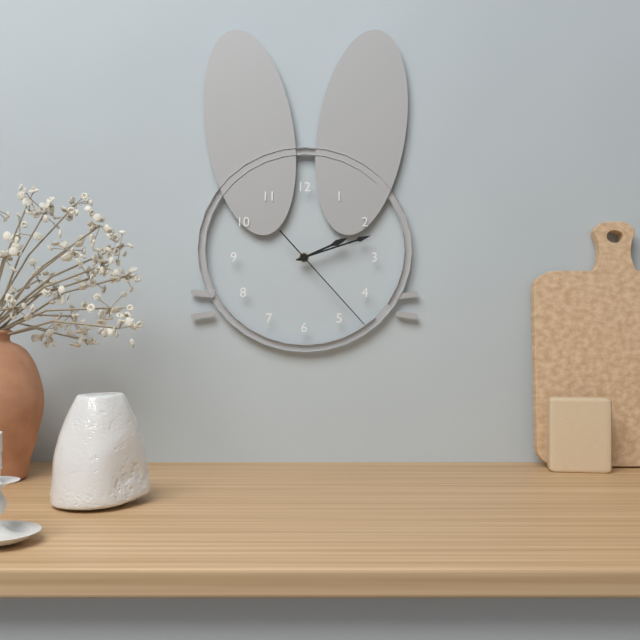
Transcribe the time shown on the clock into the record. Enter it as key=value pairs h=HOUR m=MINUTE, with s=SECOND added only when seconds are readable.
h=2 m=12 s=23
